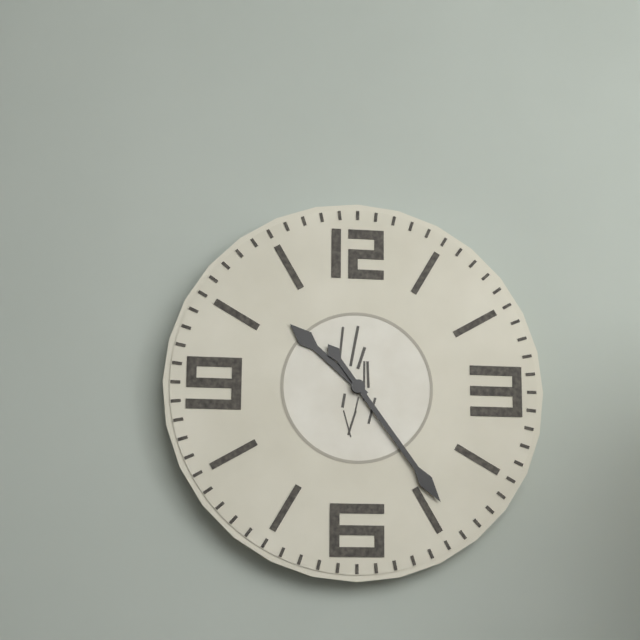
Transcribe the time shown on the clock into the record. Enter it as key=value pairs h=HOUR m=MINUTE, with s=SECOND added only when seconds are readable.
h=10 m=24
